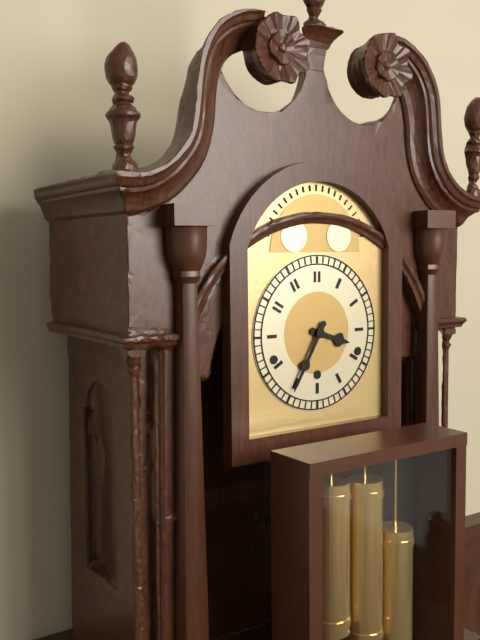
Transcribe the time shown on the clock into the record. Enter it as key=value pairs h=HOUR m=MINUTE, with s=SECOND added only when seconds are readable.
h=3 m=35
